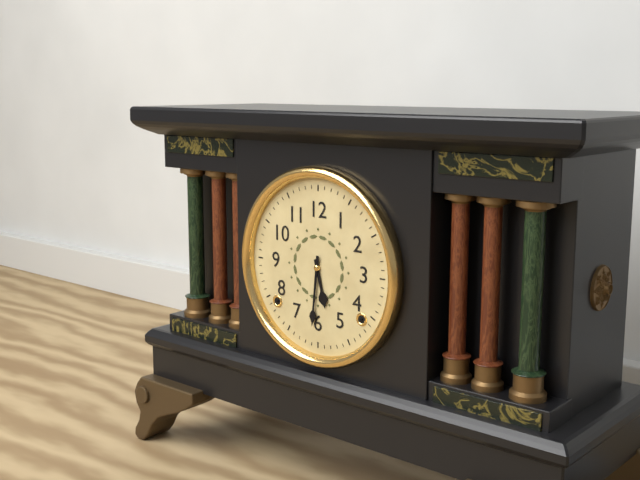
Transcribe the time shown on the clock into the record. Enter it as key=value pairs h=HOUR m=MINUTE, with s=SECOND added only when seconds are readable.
h=5 m=31
